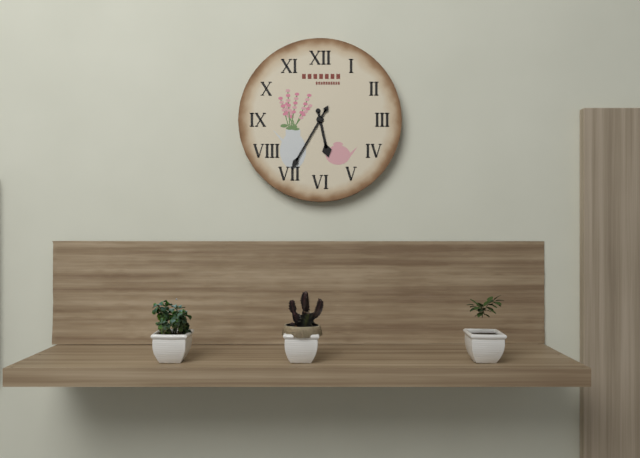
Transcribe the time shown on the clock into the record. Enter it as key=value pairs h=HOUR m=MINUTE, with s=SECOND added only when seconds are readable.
h=5 m=35
